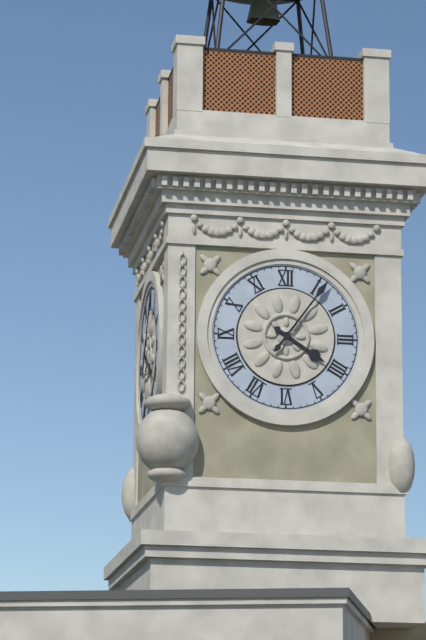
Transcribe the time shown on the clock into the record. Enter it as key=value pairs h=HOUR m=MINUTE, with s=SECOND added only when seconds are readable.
h=4 m=6
